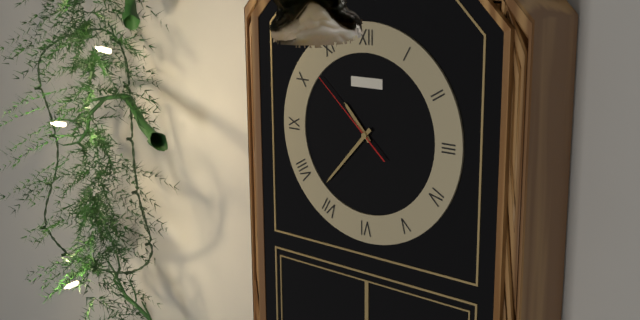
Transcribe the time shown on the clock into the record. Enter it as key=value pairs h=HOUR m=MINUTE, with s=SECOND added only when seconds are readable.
h=10 m=37 s=52
